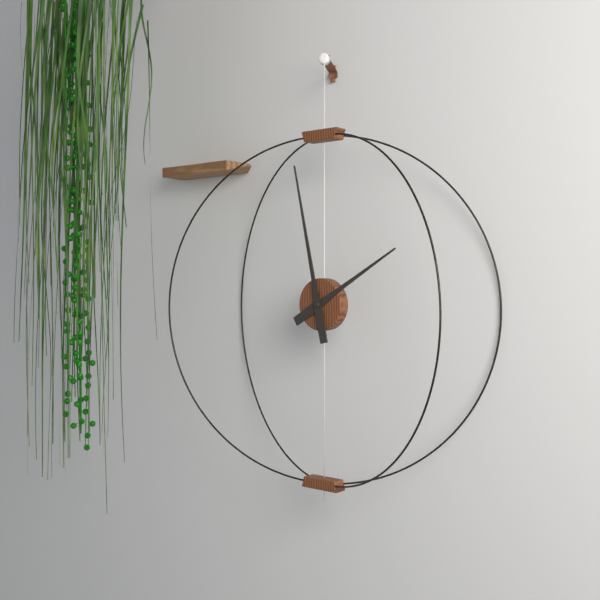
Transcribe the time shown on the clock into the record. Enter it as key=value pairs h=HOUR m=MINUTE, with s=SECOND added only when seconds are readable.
h=1 m=58
